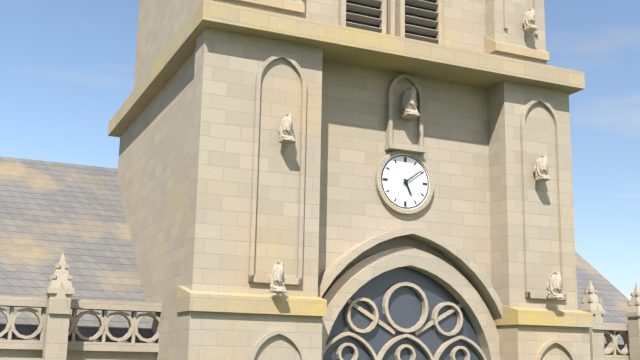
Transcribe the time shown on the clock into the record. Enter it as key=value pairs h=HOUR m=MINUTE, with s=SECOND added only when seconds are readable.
h=5 m=9
